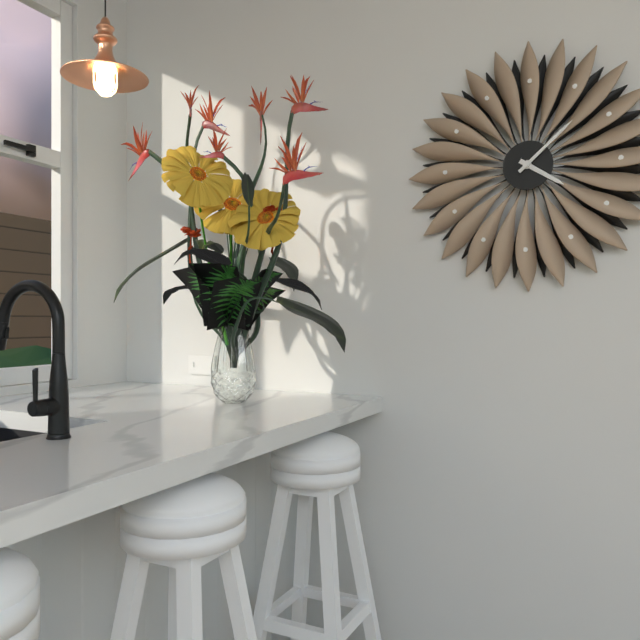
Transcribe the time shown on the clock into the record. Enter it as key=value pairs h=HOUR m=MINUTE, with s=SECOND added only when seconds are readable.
h=4 m=8
